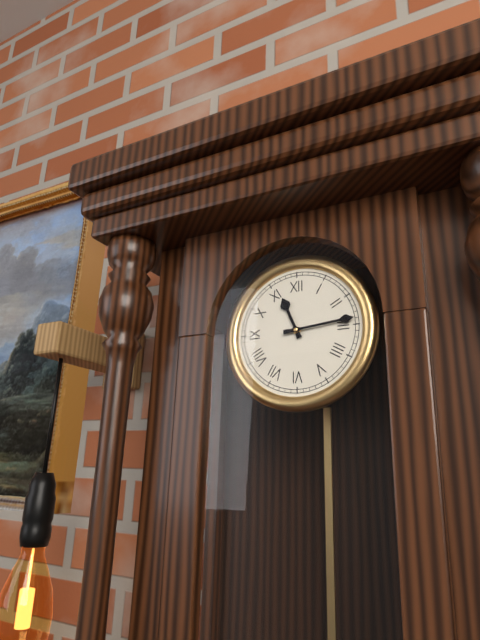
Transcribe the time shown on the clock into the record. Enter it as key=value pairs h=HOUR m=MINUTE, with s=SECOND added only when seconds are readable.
h=11 m=14
